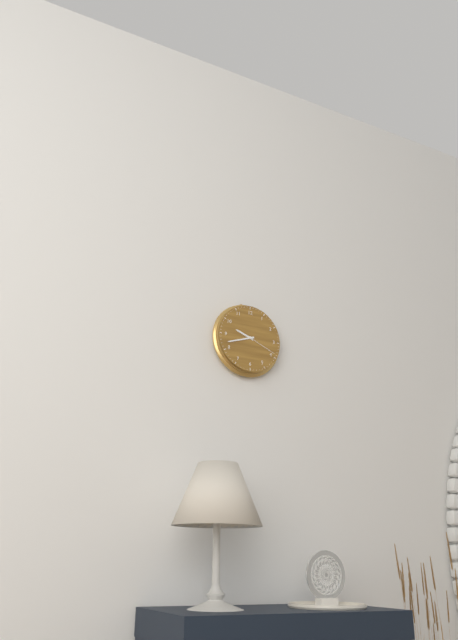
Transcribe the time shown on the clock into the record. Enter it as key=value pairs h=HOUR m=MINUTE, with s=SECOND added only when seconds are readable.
h=9 m=42
